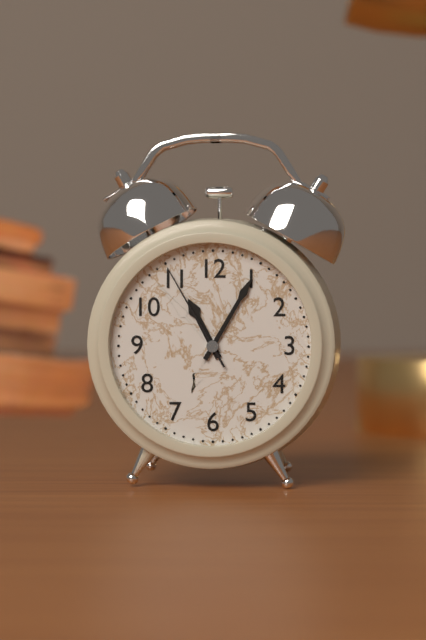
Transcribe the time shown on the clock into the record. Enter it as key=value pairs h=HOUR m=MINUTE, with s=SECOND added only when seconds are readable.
h=11 m=5 s=55
